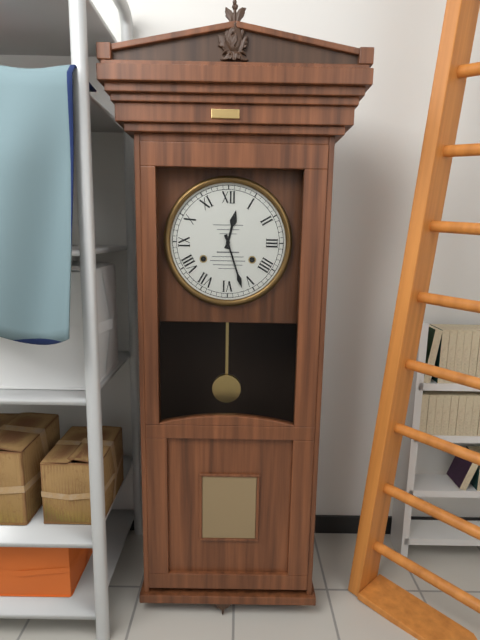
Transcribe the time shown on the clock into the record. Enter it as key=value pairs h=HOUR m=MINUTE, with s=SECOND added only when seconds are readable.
h=12 m=27
